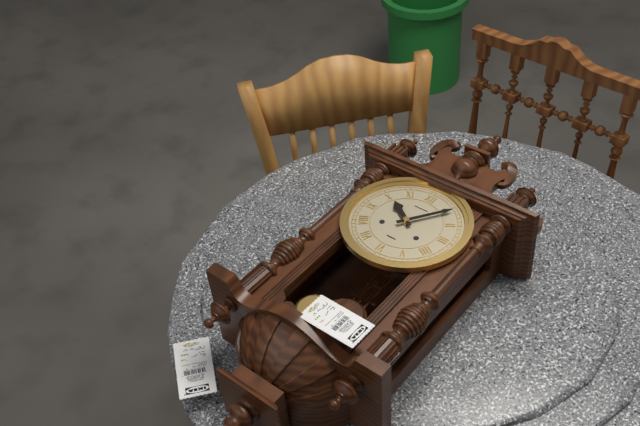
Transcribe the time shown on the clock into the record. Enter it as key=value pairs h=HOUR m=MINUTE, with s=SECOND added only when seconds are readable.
h=10 m=6
